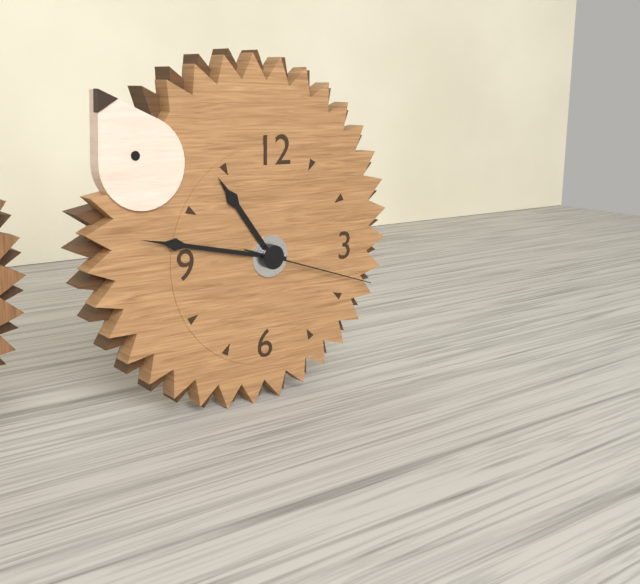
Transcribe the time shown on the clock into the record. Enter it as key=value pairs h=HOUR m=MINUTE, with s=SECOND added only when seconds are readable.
h=10 m=47 s=18
